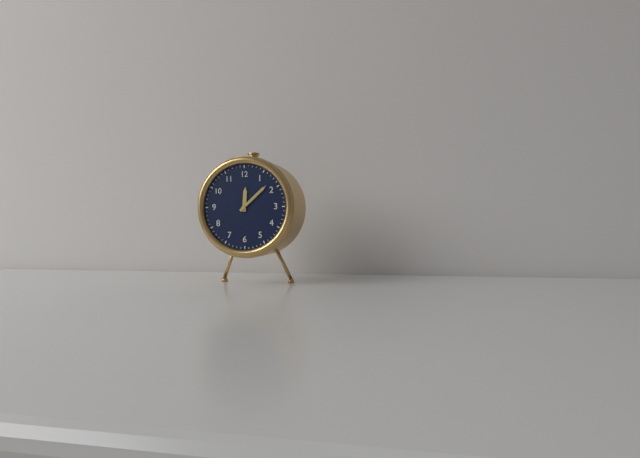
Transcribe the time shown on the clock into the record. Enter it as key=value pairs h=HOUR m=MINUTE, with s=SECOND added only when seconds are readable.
h=12 m=8
